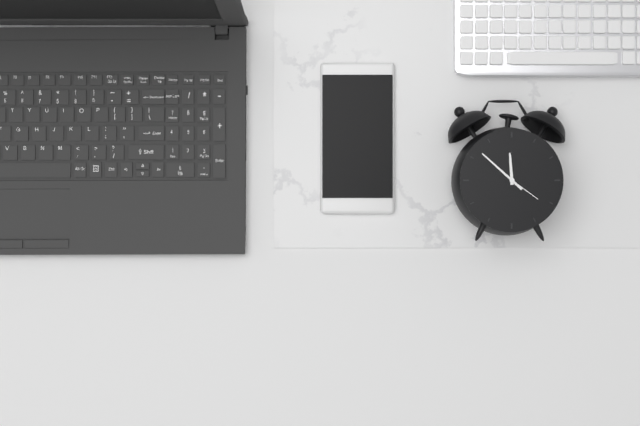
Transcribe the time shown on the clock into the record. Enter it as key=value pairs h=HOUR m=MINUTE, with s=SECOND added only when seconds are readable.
h=11 m=52
